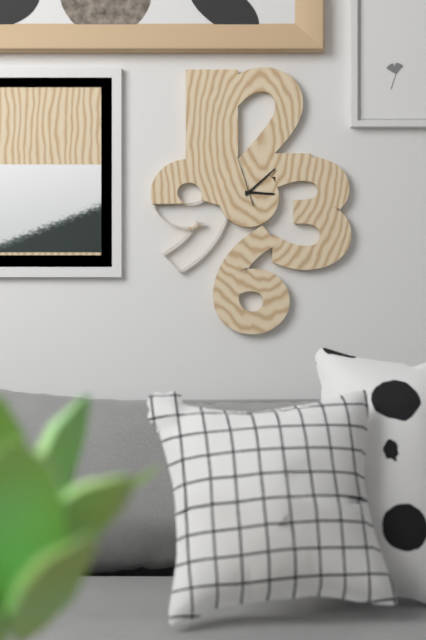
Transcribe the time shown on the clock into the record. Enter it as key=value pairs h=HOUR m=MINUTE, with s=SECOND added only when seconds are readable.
h=3 m=8
